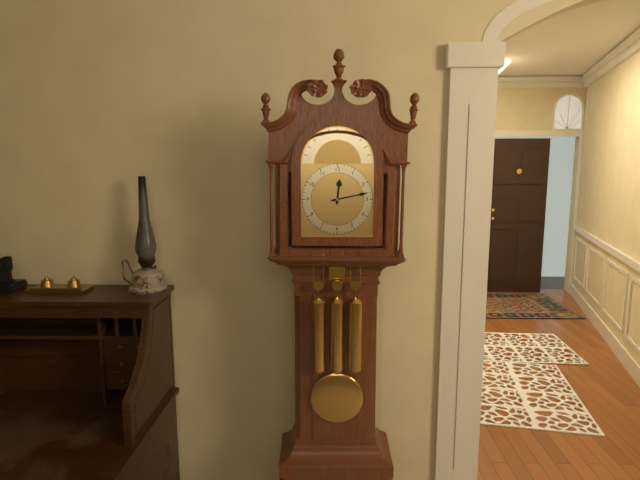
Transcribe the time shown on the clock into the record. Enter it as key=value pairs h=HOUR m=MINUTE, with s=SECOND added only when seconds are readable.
h=12 m=13
